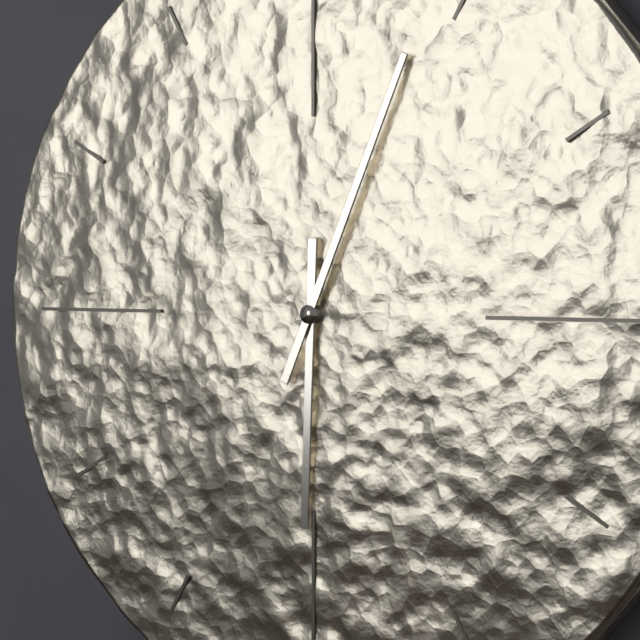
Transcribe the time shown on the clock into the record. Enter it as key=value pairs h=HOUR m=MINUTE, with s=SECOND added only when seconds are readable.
h=6 m=4
